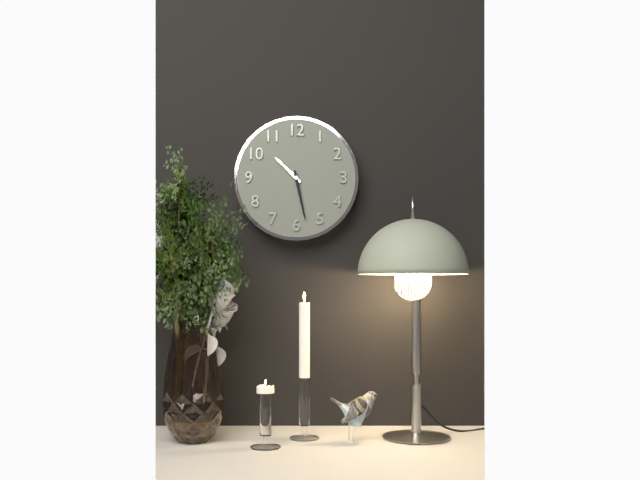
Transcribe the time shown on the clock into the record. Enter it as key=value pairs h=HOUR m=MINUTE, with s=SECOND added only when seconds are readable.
h=10 m=28
